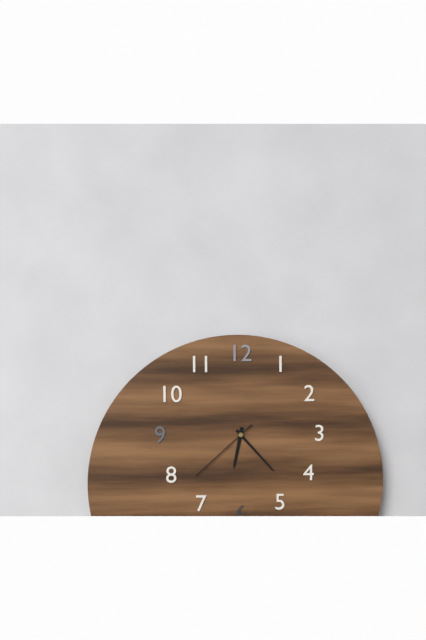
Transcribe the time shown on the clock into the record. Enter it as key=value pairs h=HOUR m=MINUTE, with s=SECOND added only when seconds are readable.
h=6 m=23 s=38
